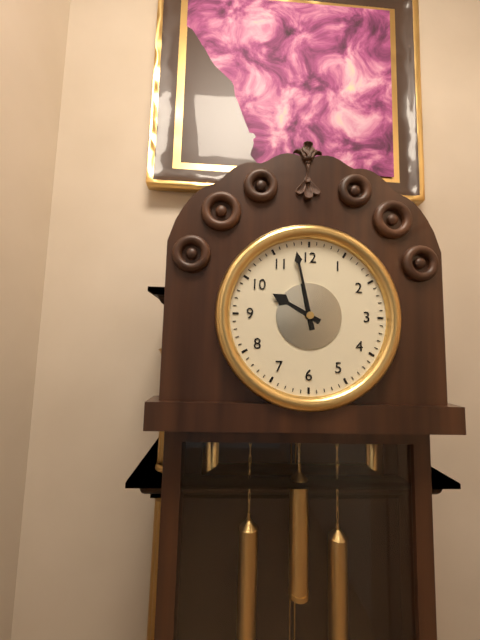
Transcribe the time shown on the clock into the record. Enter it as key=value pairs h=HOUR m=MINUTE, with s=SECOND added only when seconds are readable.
h=9 m=58
